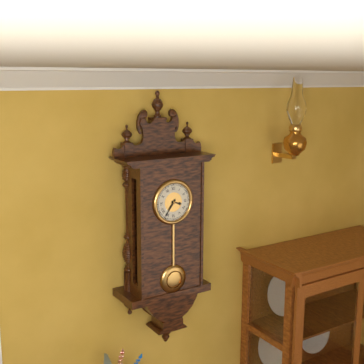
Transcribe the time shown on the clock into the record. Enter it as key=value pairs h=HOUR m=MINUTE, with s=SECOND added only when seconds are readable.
h=3 m=36
